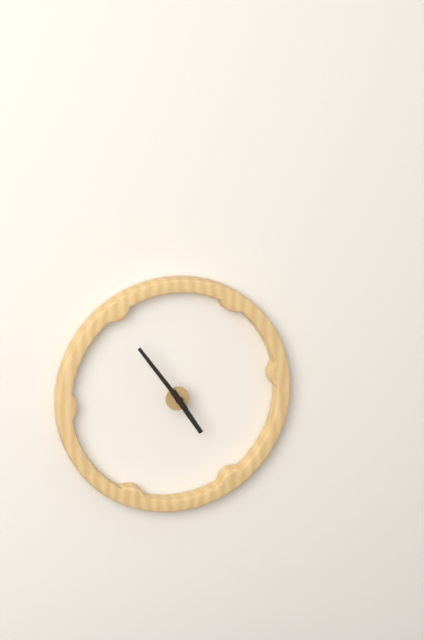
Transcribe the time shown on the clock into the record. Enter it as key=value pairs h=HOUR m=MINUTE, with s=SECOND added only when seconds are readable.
h=4 m=54
